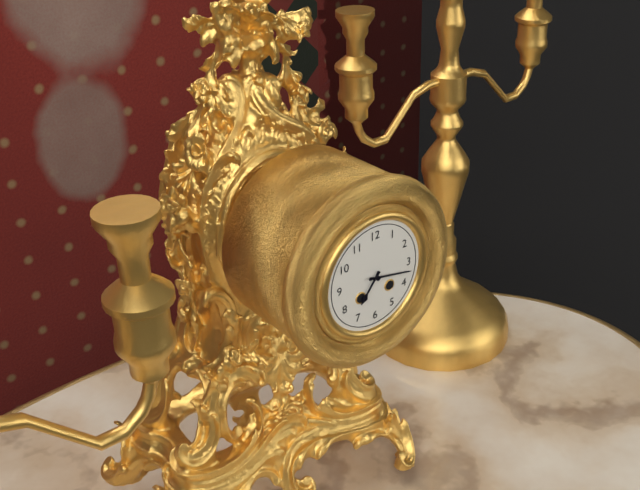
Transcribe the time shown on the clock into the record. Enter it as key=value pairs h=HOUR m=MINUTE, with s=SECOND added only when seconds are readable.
h=7 m=17
